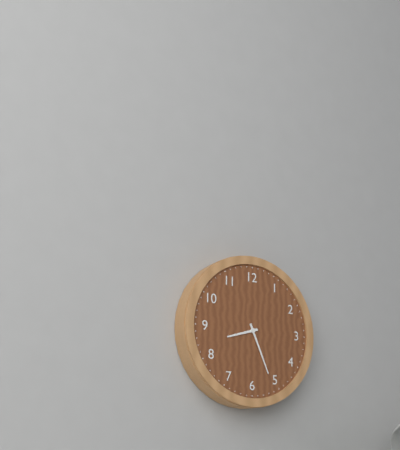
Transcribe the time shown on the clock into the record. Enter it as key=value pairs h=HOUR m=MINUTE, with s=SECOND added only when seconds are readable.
h=8 m=26
